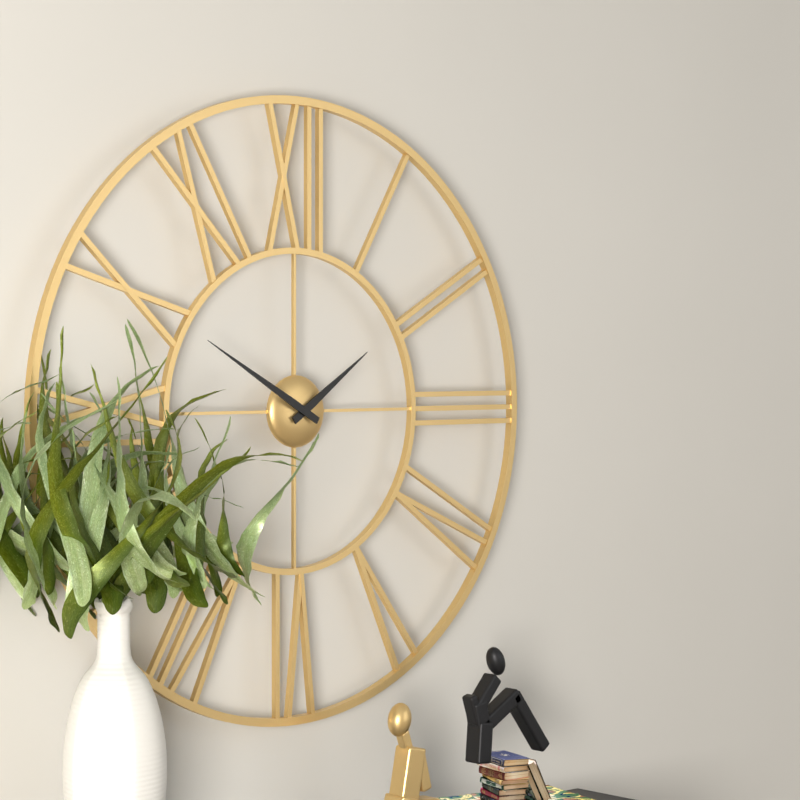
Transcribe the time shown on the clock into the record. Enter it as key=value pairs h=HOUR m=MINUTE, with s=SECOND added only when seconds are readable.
h=1 m=50
